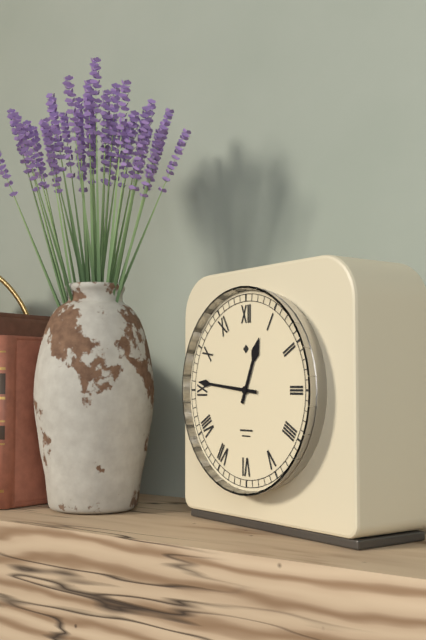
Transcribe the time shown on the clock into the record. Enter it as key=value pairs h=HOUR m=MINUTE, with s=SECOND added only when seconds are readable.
h=12 m=46
